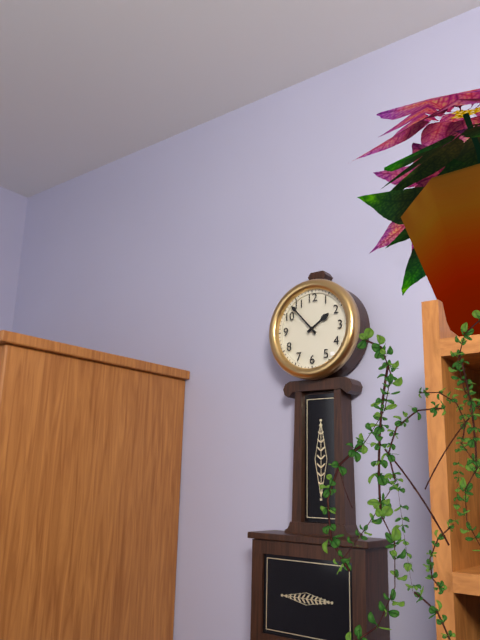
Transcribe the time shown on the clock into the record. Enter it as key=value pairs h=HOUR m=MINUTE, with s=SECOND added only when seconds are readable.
h=1 m=53
